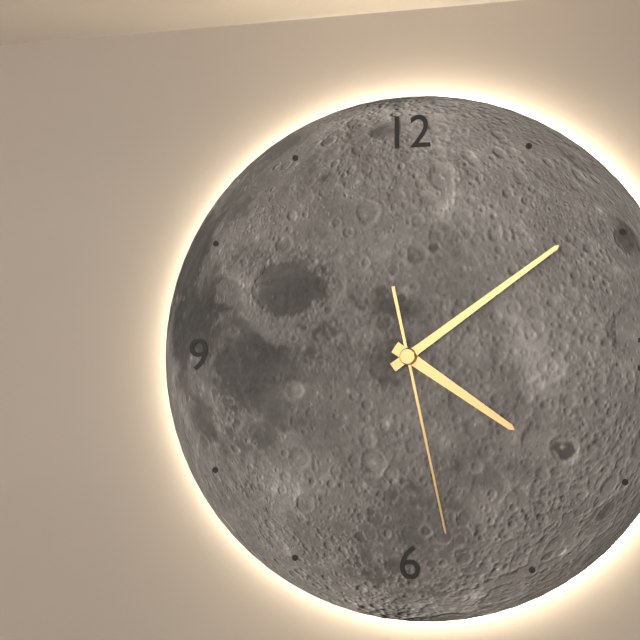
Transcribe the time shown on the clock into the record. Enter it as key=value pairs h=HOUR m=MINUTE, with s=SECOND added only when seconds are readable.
h=4 m=9 s=28
